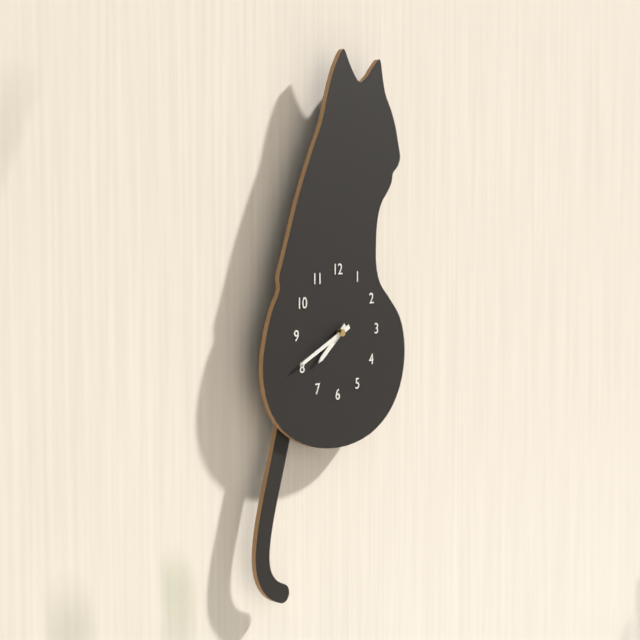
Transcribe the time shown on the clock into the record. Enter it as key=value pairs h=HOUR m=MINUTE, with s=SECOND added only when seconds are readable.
h=7 m=41
